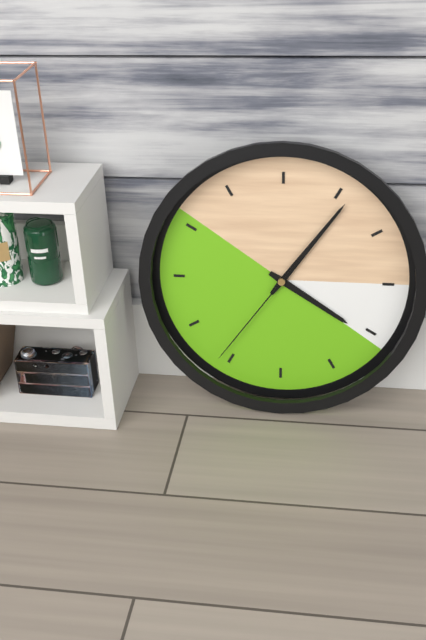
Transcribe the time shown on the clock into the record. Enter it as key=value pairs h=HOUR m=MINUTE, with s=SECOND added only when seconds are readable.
h=4 m=6 s=36
